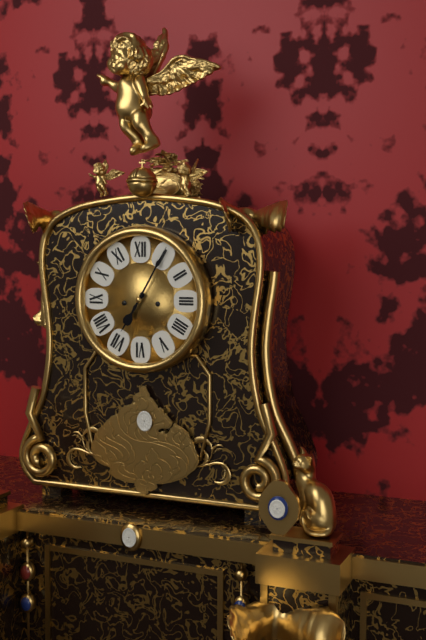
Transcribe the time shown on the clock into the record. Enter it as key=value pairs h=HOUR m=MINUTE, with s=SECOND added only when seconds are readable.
h=7 m=5
